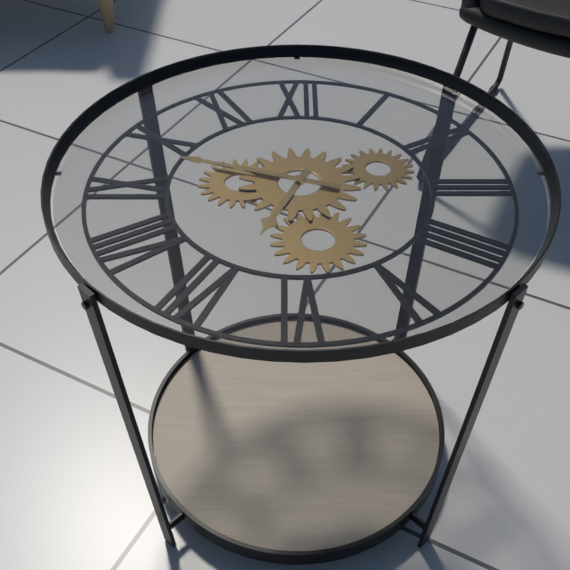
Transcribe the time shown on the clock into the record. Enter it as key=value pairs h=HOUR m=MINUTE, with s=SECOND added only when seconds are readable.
h=6 m=48
